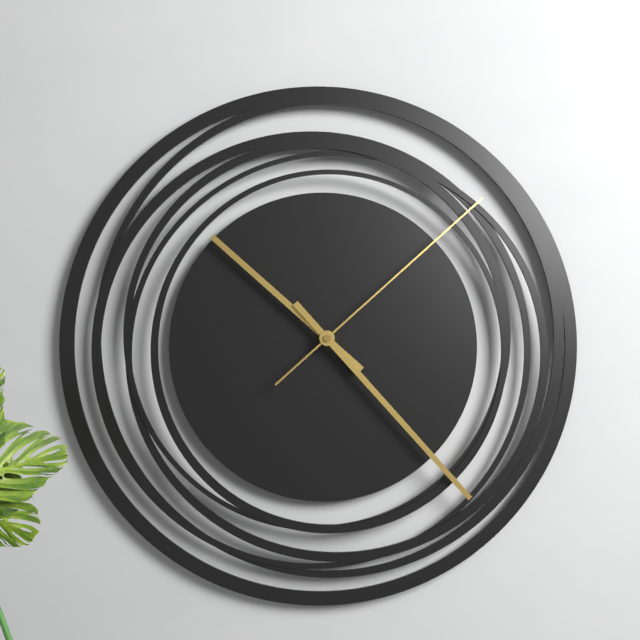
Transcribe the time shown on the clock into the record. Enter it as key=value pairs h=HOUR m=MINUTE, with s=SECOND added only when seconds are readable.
h=10 m=23 s=8
